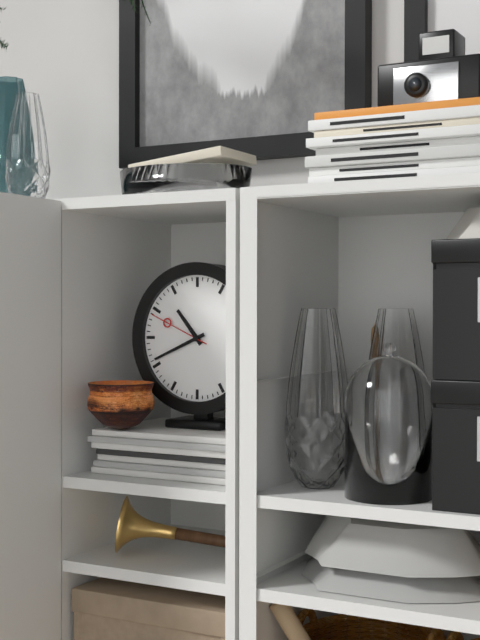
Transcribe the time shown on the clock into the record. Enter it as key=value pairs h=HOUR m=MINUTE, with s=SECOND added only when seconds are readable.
h=10 m=41 s=49
